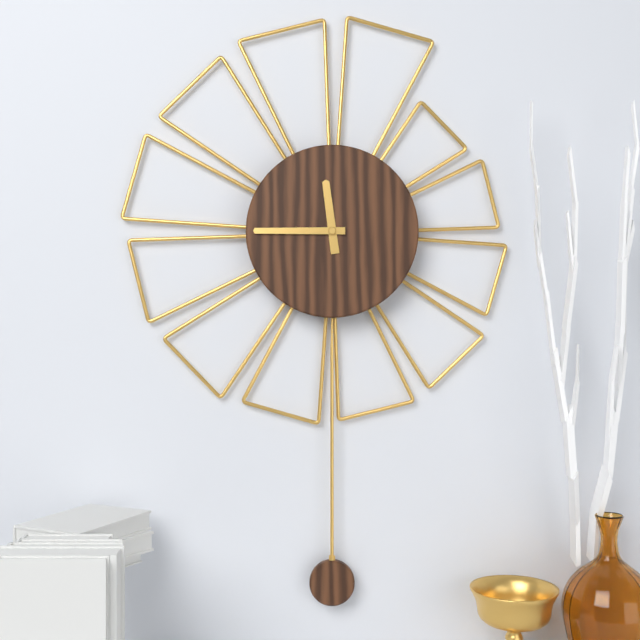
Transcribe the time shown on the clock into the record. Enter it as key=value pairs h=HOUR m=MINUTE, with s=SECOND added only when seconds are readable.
h=11 m=45
